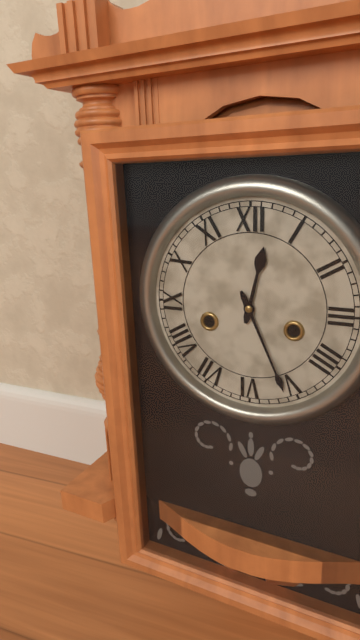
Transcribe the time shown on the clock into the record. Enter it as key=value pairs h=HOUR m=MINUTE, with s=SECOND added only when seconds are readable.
h=12 m=26
